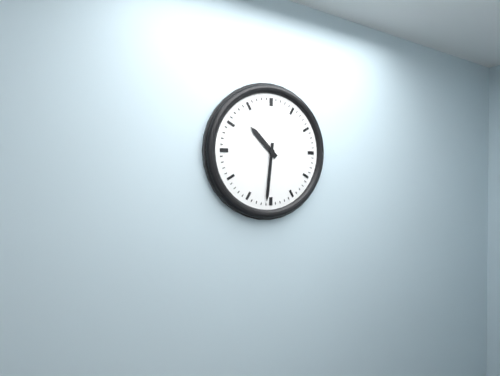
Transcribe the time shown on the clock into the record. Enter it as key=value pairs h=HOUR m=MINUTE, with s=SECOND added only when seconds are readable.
h=10 m=31
